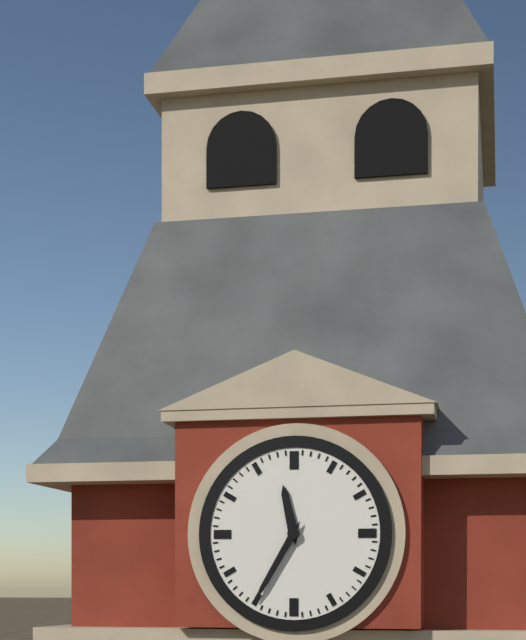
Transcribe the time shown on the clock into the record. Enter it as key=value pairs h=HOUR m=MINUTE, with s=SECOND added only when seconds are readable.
h=11 m=35
